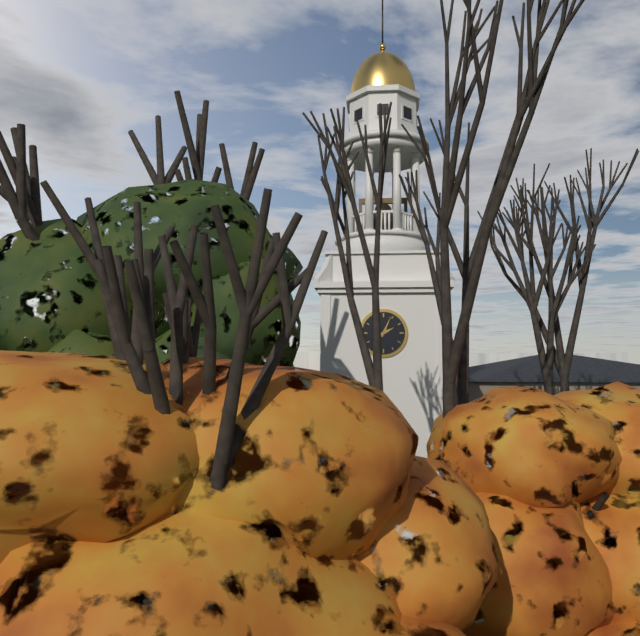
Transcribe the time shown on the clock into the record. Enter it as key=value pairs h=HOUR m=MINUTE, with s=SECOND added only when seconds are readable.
h=2 m=4
